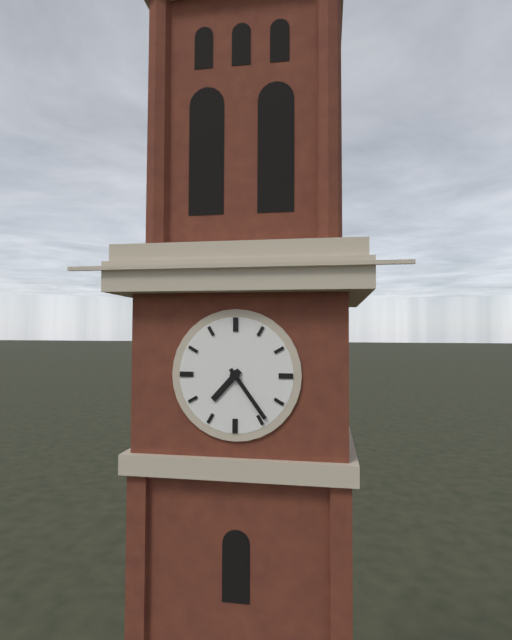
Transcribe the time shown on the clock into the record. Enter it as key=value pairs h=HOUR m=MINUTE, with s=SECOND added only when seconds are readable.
h=7 m=24
